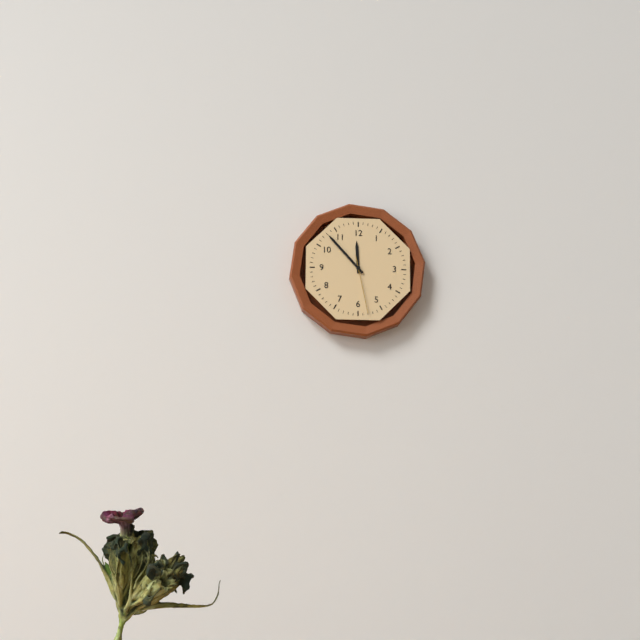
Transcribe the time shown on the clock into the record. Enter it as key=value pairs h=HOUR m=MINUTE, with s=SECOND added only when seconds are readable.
h=11 m=53 s=28
